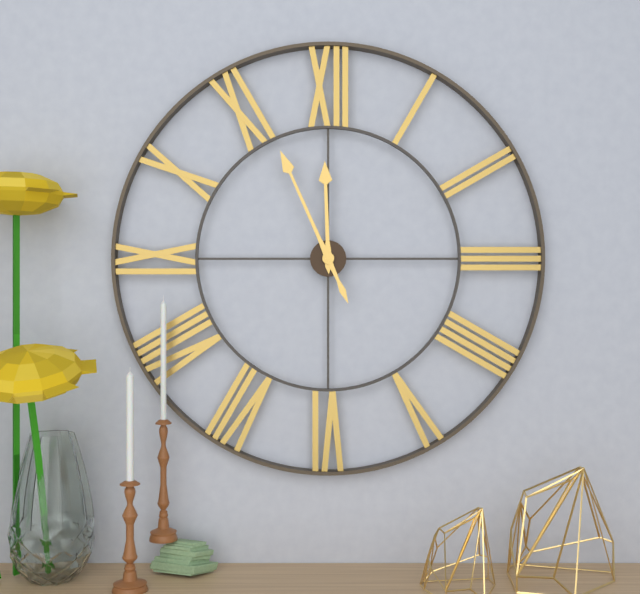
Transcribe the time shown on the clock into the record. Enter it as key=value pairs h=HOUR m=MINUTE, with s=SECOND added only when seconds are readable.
h=11 m=56
